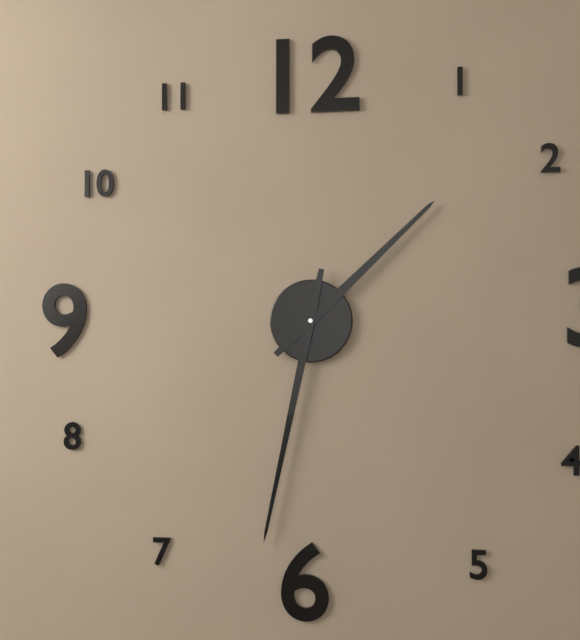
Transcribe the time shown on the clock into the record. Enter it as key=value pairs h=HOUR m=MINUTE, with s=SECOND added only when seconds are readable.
h=1 m=32
